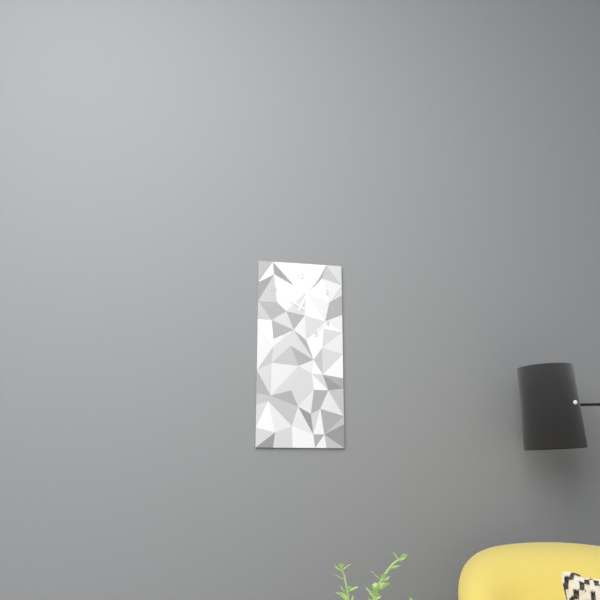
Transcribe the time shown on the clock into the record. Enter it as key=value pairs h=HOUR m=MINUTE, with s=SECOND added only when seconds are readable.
h=12 m=50
